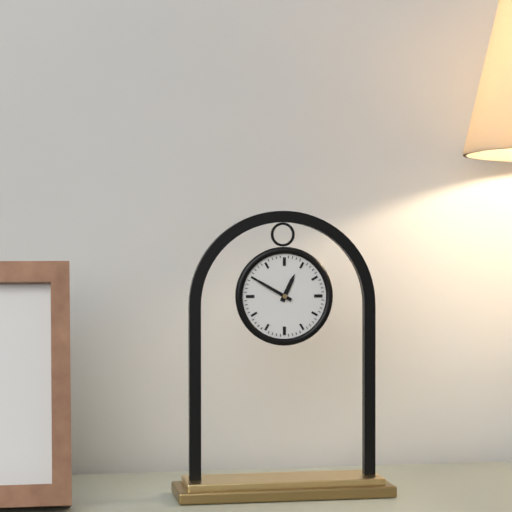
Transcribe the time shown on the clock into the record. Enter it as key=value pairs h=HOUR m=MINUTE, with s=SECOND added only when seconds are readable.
h=12 m=50
